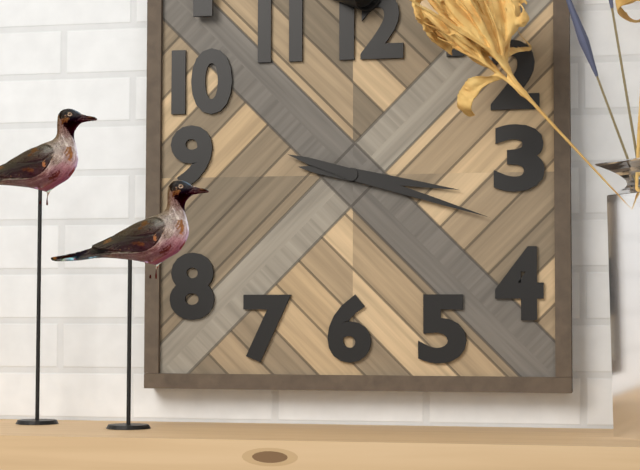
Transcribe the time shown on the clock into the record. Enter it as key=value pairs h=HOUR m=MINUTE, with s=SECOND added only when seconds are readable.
h=3 m=18
